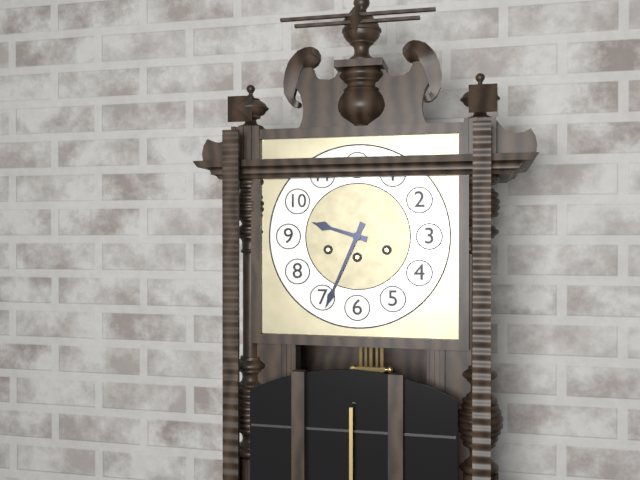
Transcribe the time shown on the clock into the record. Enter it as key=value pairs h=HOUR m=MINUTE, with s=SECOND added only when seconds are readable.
h=9 m=34
